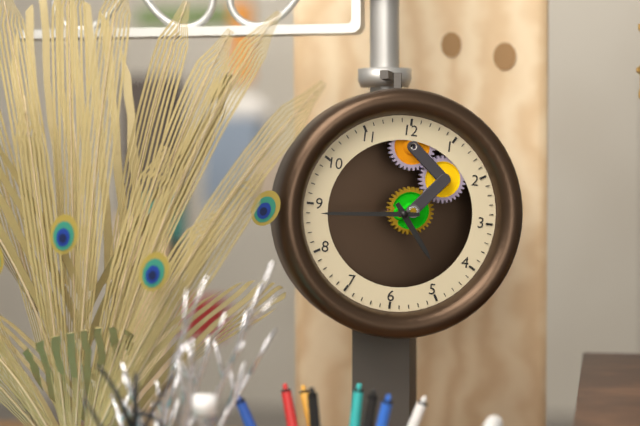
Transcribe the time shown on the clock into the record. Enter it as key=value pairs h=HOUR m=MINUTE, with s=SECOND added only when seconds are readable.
h=4 m=44
